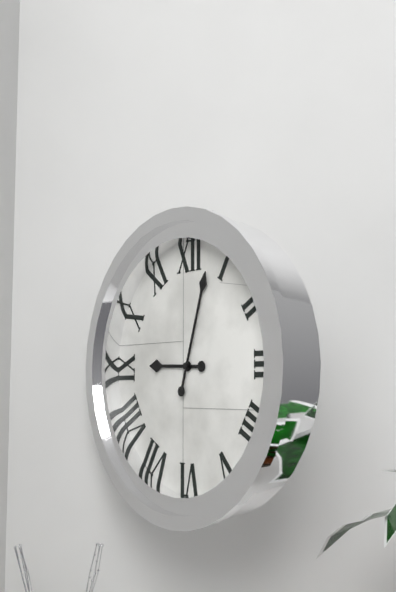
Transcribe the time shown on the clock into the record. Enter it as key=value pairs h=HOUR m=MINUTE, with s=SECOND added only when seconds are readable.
h=9 m=3
